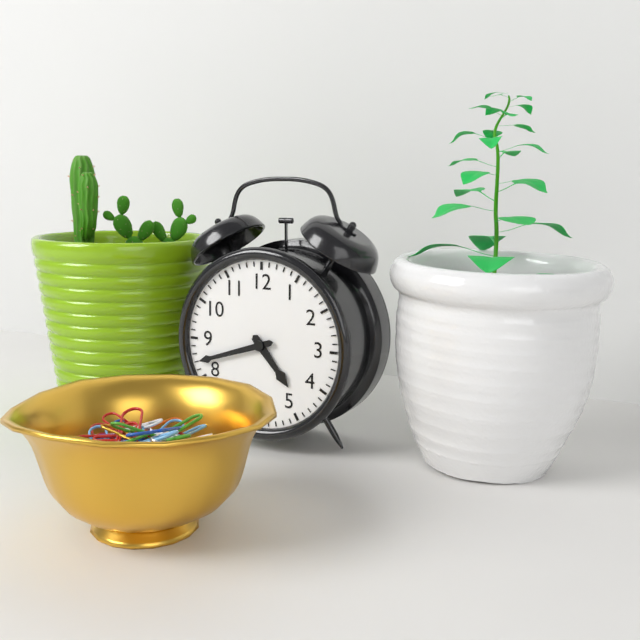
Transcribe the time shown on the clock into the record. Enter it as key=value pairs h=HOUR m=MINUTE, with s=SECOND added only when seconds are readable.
h=4 m=42
